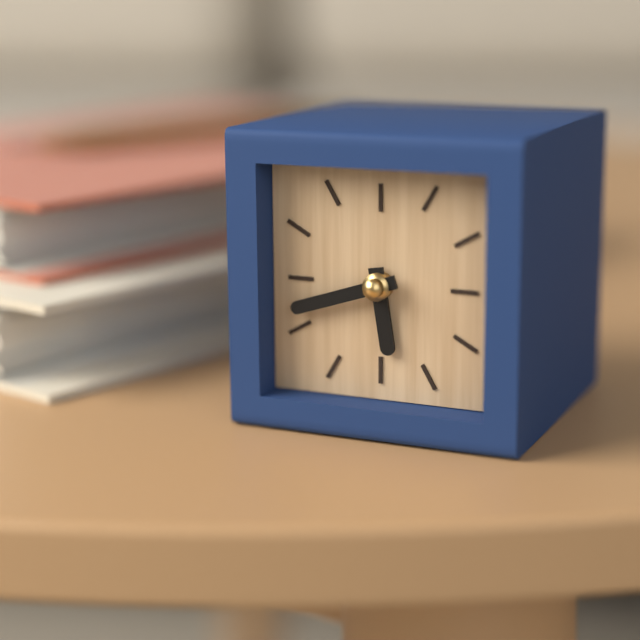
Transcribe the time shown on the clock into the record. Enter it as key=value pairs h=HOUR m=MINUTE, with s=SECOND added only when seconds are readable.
h=5 m=42
